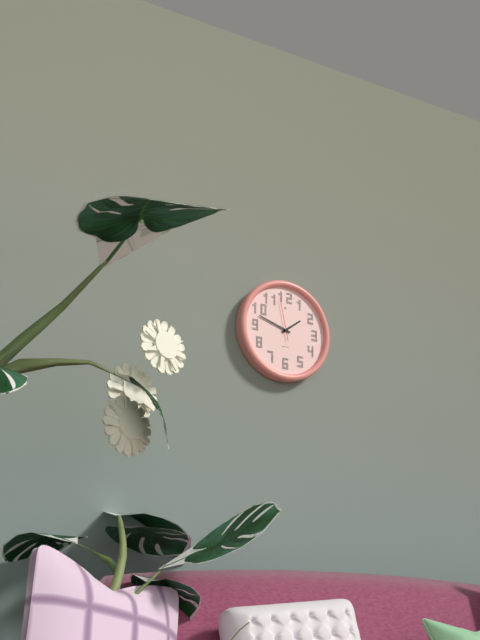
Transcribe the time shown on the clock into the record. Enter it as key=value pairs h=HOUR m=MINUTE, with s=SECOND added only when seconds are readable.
h=1 m=48
